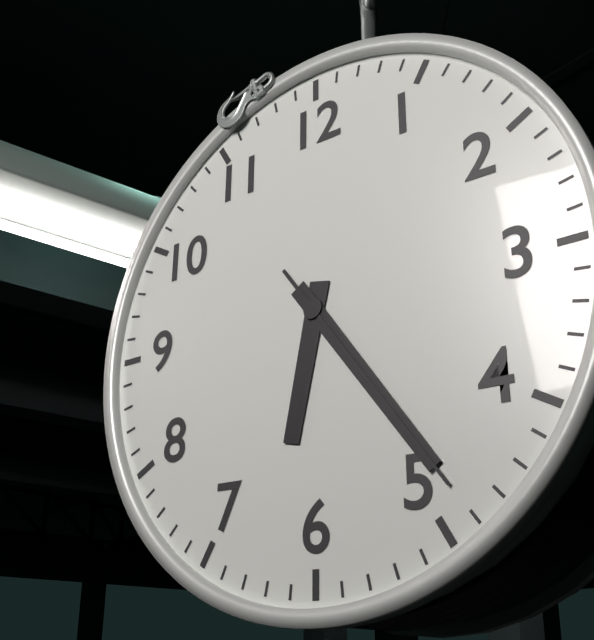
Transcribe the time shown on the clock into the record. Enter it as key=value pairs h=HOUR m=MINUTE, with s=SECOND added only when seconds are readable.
h=6 m=24 s=24
